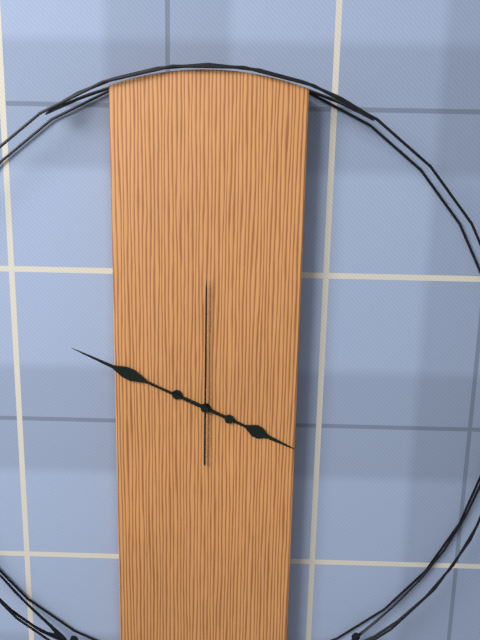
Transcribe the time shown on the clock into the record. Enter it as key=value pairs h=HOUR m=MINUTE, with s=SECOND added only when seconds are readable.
h=3 m=49 s=0
